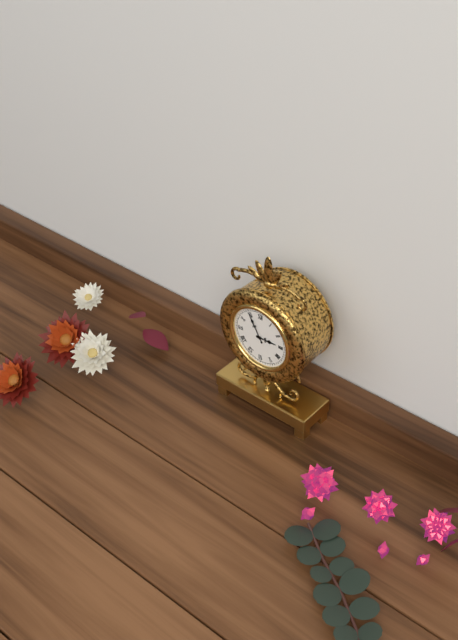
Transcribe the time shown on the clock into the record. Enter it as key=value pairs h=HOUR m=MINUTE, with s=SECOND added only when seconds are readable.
h=2 m=55
